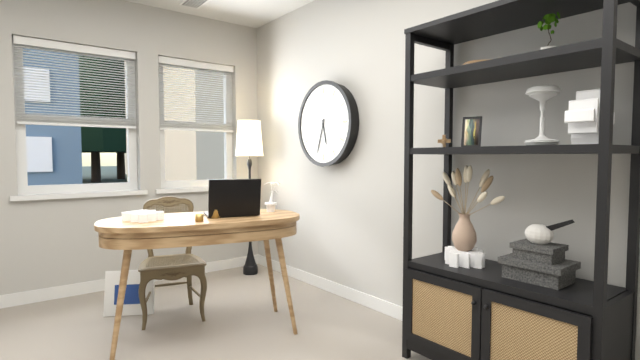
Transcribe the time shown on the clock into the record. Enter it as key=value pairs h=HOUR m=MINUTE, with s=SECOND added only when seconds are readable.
h=5 m=33
